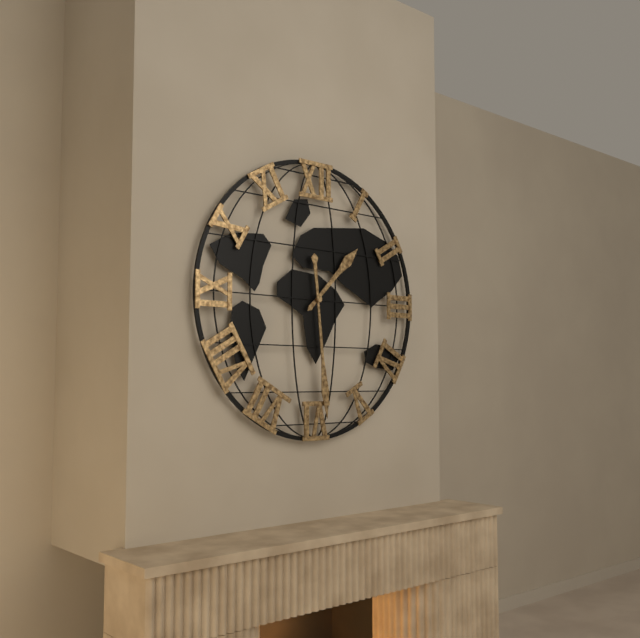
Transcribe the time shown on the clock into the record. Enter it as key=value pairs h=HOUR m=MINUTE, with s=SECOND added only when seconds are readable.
h=1 m=29
